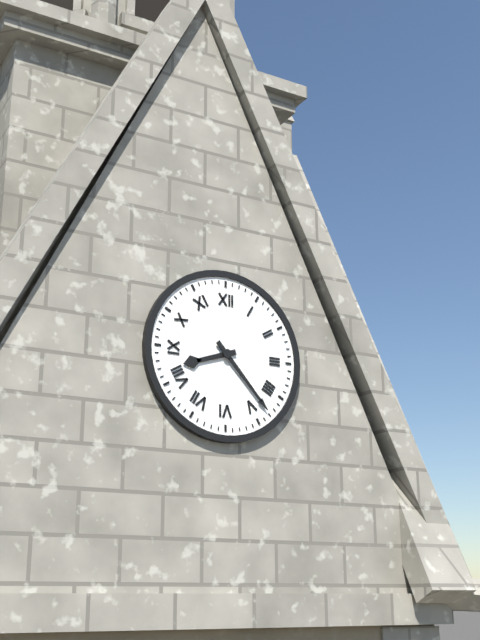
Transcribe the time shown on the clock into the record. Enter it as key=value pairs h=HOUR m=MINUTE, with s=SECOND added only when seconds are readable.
h=8 m=23
